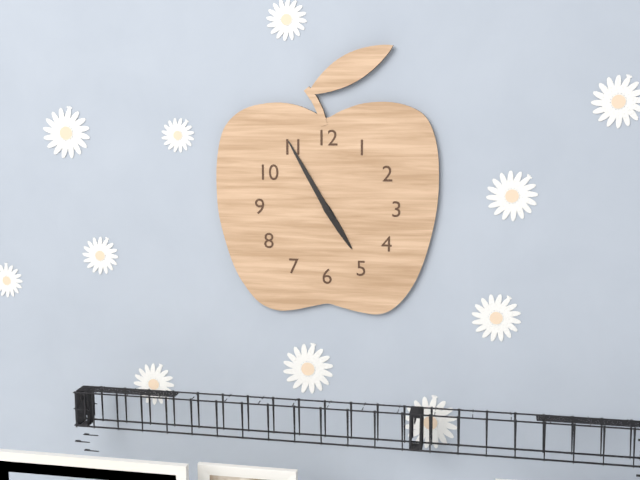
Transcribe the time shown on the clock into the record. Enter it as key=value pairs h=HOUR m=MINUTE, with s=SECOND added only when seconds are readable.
h=4 m=55
